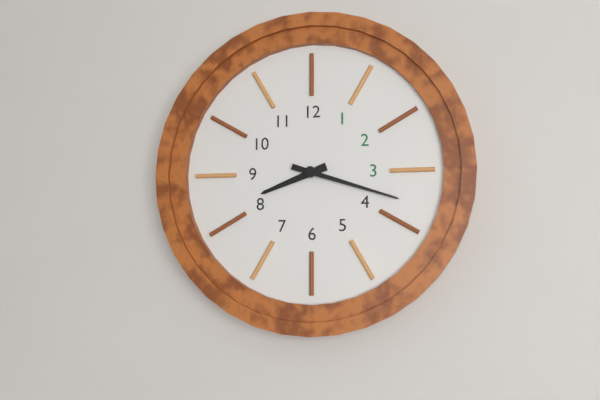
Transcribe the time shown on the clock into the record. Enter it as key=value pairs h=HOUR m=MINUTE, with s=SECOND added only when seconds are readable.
h=8 m=18
